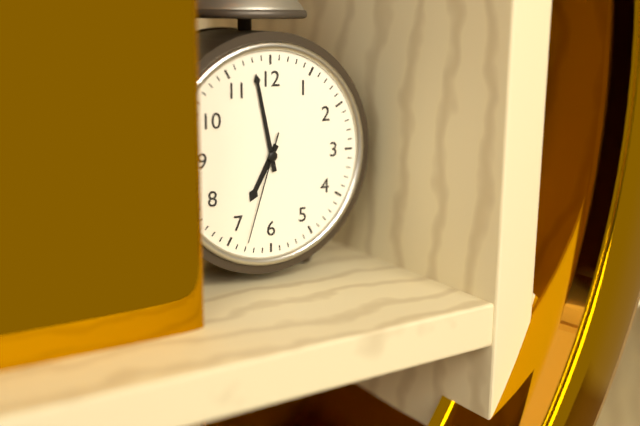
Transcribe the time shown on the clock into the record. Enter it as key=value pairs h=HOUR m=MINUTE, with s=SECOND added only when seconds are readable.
h=6 m=58 s=33
